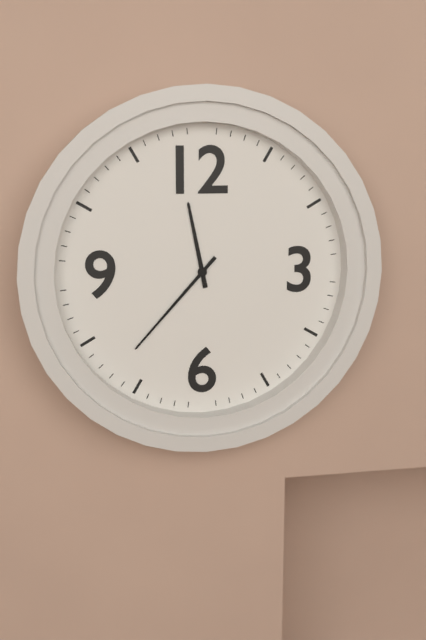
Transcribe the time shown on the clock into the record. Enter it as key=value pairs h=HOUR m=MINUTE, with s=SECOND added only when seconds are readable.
h=11 m=37
